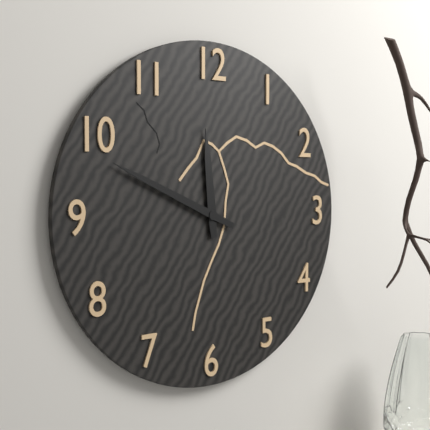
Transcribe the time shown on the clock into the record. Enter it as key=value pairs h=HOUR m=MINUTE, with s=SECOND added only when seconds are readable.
h=11 m=49
